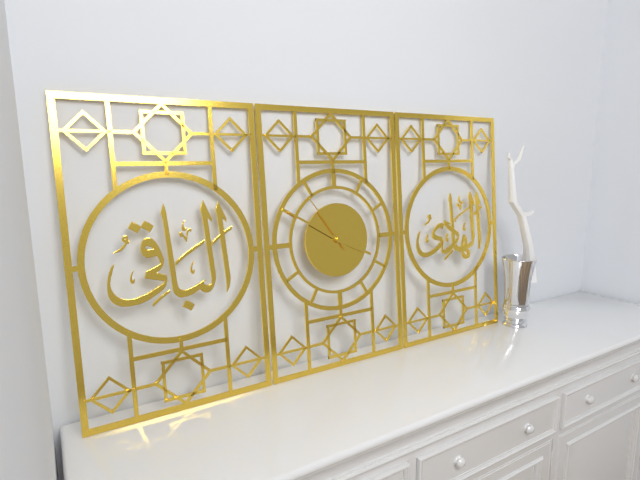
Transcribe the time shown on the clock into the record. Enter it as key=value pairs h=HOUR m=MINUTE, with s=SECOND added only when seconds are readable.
h=3 m=50 s=54
